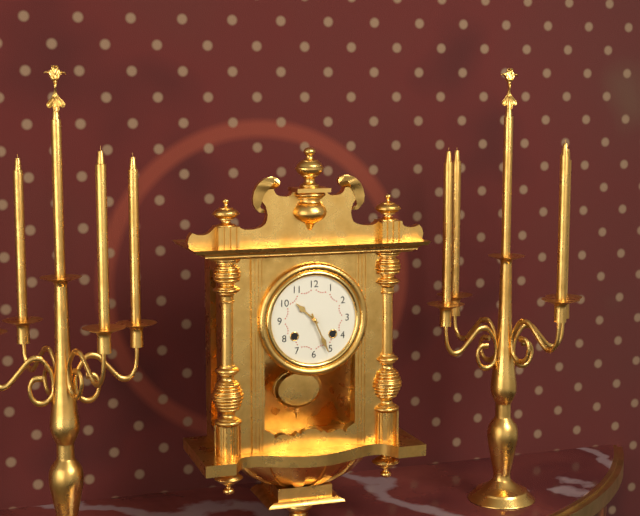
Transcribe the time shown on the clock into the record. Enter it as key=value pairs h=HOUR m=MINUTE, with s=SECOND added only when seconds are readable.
h=10 m=26
